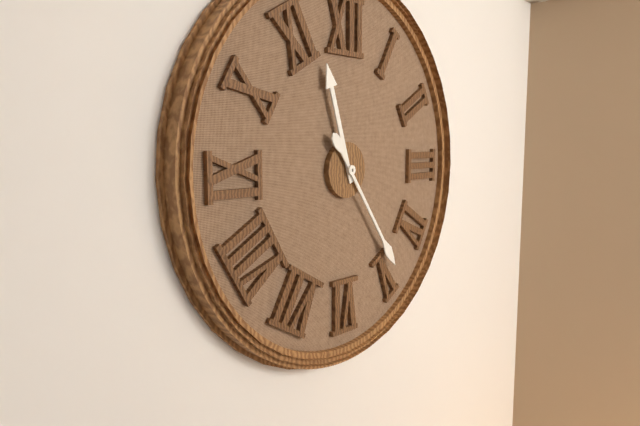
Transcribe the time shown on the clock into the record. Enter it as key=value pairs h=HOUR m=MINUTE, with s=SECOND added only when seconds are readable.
h=11 m=24
